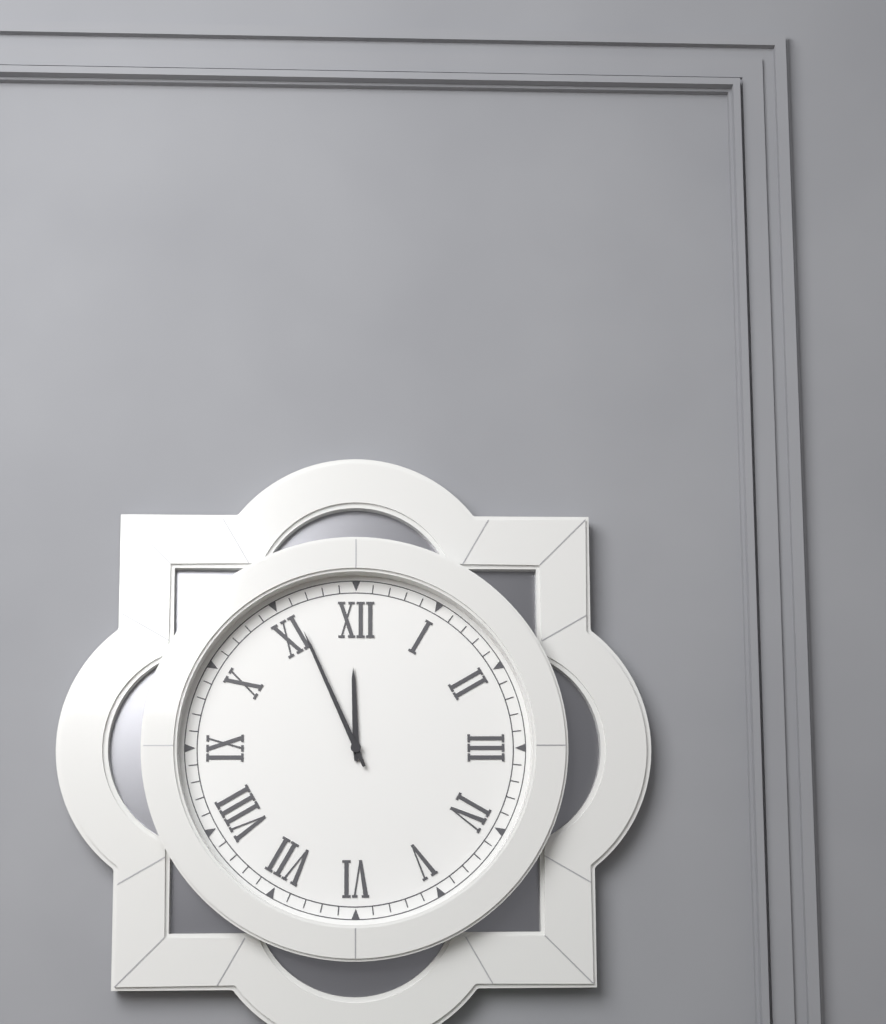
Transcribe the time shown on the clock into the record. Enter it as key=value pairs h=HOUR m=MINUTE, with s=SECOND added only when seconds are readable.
h=11 m=56
